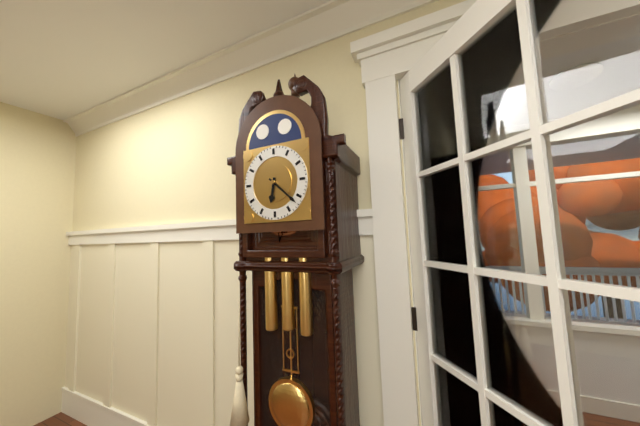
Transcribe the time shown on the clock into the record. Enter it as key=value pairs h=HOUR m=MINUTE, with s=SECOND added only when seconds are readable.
h=6 m=22
